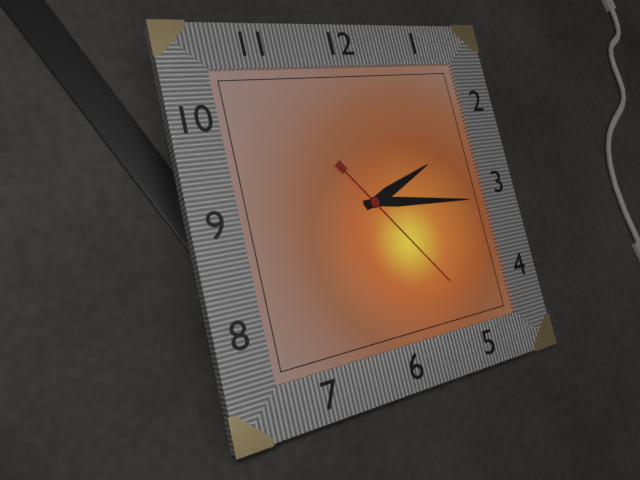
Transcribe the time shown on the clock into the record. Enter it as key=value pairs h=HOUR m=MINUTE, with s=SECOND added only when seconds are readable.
h=2 m=16 s=24
